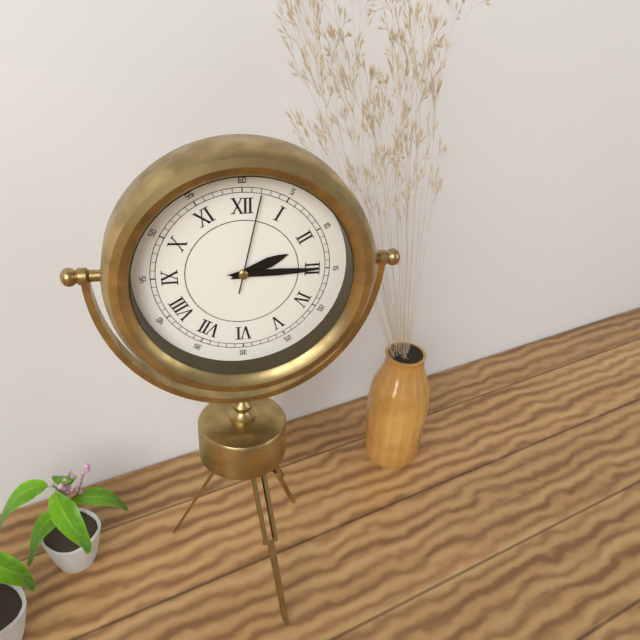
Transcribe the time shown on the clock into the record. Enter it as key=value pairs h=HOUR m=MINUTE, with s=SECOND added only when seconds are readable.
h=2 m=15 s=2
